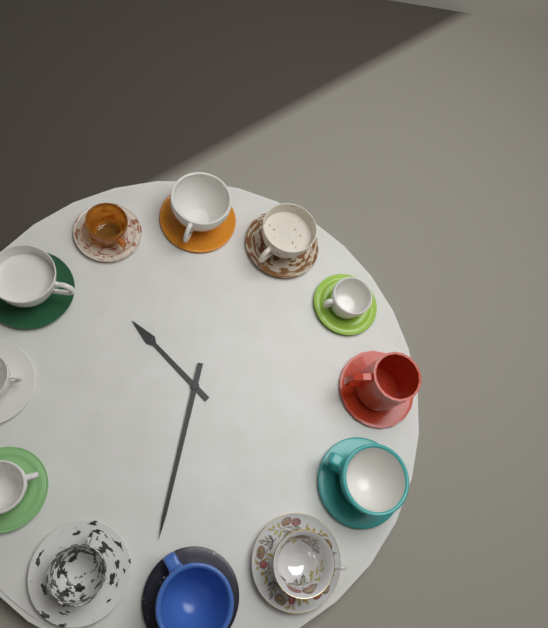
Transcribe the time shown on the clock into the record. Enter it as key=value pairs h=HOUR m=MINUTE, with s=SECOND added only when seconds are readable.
h=10 m=32
